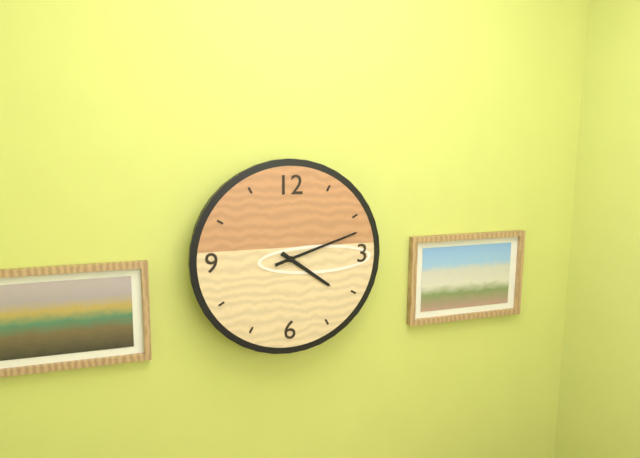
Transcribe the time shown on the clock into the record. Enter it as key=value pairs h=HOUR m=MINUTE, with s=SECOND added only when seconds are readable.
h=4 m=12
